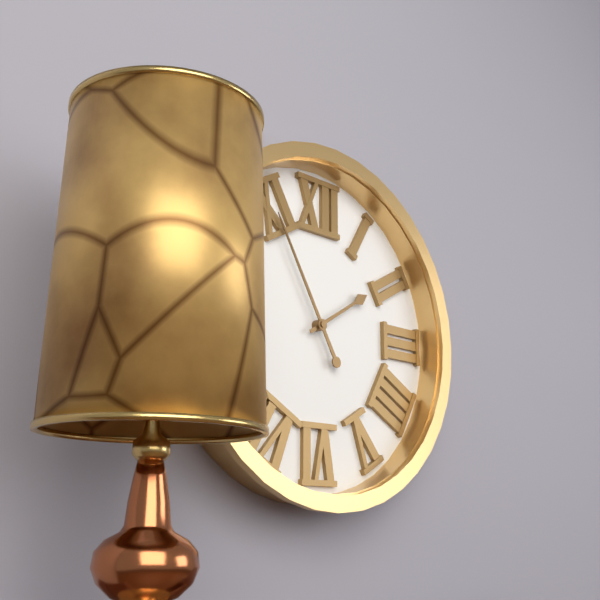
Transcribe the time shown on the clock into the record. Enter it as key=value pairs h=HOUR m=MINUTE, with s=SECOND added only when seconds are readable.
h=1 m=55
